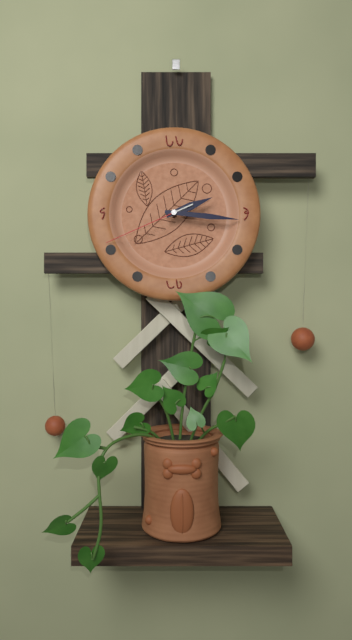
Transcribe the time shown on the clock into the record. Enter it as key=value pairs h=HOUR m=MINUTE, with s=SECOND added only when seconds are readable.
h=2 m=16 s=41
